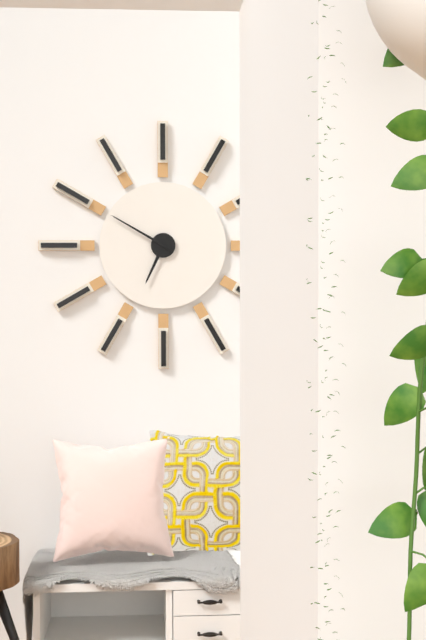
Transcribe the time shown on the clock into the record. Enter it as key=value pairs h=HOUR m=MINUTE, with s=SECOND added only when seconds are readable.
h=6 m=50
